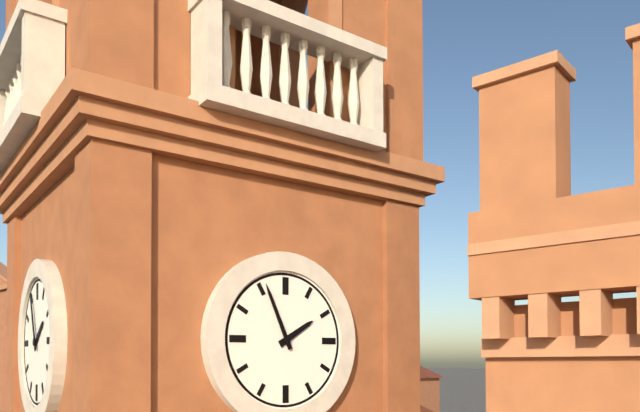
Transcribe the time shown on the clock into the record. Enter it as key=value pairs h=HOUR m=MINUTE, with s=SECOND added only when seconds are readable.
h=1 m=56
